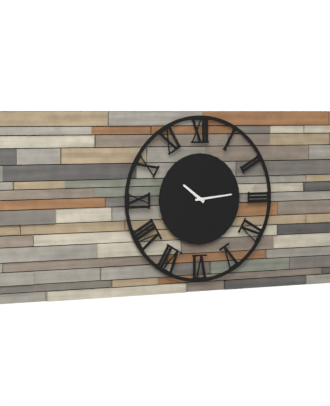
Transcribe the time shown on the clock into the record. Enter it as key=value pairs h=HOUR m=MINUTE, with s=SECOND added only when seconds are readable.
h=10 m=14
